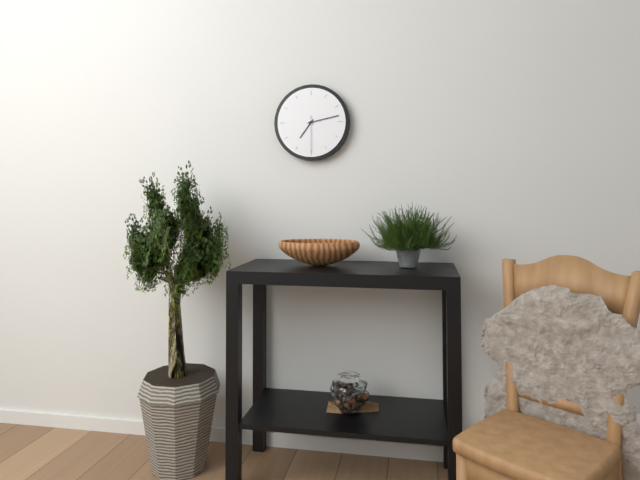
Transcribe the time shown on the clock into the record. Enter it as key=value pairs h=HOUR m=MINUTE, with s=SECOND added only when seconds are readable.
h=7 m=13
